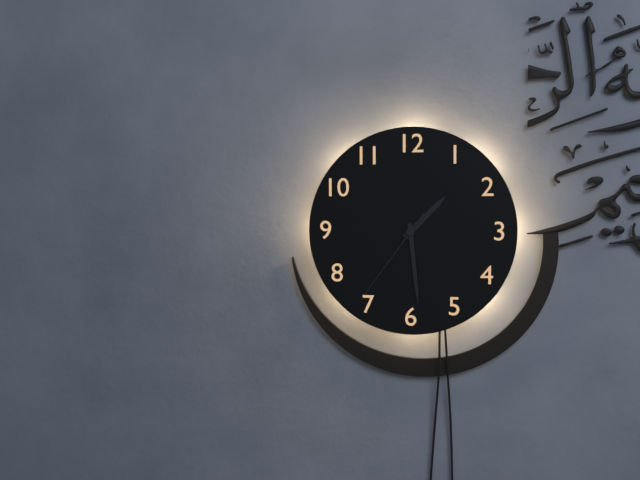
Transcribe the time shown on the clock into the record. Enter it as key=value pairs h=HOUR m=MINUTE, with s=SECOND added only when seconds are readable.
h=1 m=29 s=36
